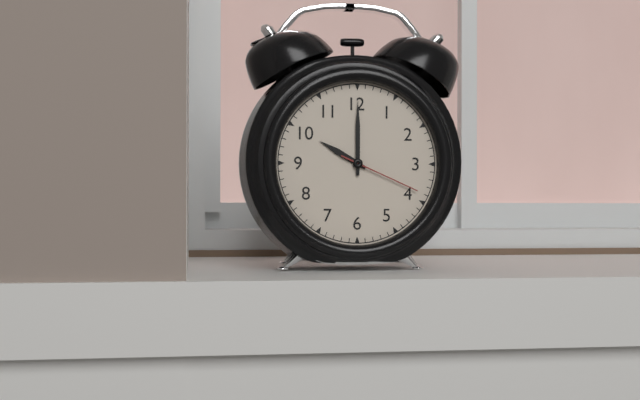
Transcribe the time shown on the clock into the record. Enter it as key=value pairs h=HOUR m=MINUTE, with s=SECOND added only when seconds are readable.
h=10 m=0 s=19
